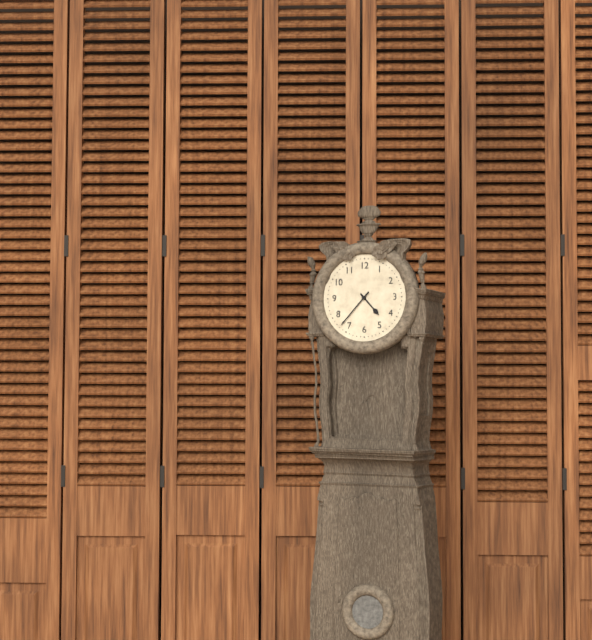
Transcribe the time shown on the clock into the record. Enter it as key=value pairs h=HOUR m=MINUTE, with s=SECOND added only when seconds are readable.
h=4 m=37
